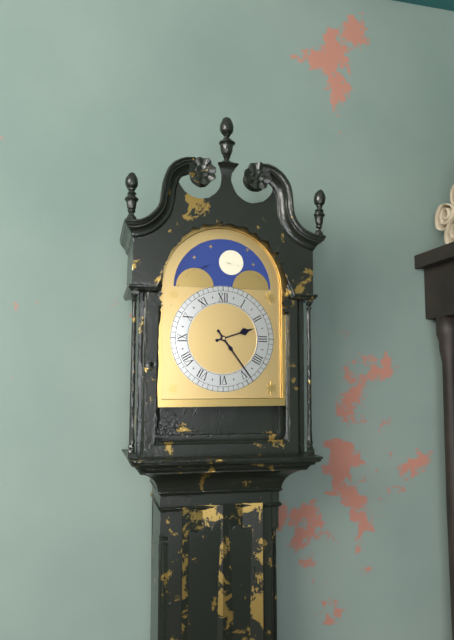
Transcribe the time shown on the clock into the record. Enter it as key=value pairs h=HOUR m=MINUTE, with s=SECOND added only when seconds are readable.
h=2 m=24
